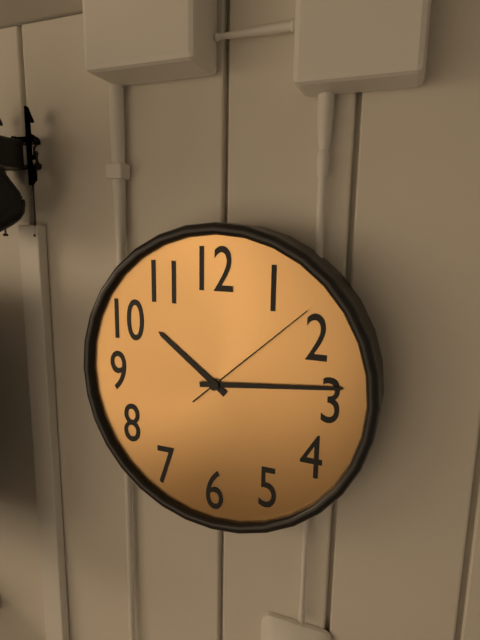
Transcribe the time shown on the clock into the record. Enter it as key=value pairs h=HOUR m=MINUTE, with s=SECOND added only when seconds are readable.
h=10 m=14 s=8
